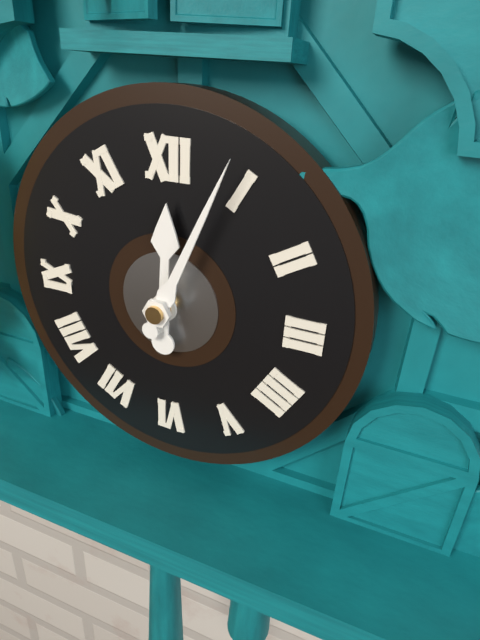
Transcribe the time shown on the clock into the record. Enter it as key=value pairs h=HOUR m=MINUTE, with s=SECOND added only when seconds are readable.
h=12 m=4
